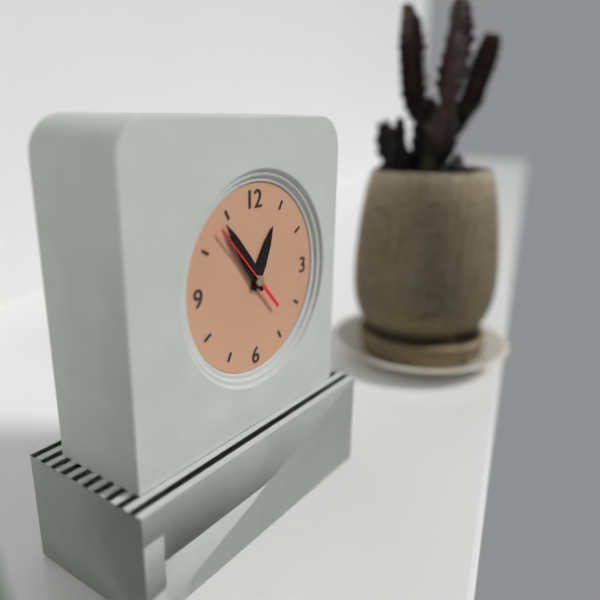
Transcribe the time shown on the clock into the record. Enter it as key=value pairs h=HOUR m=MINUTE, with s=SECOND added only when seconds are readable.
h=12 m=54 s=53
